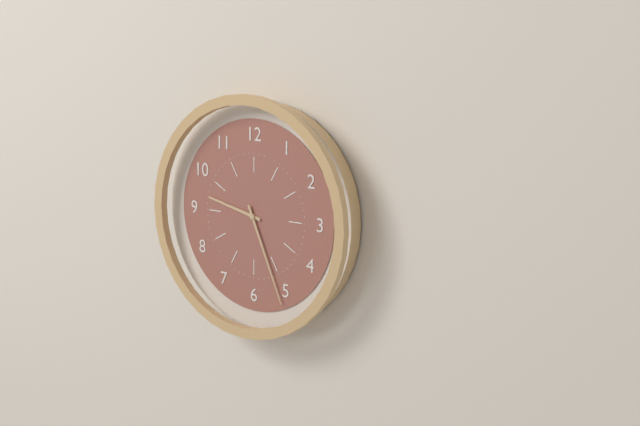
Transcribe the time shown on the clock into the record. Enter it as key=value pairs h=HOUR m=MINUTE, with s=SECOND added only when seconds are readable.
h=9 m=26
